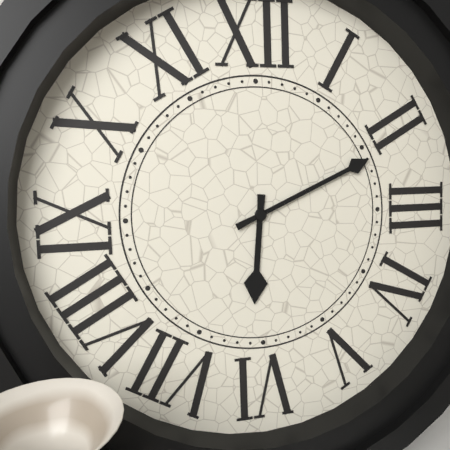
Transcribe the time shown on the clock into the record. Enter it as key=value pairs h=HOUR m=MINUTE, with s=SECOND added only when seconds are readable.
h=6 m=11
